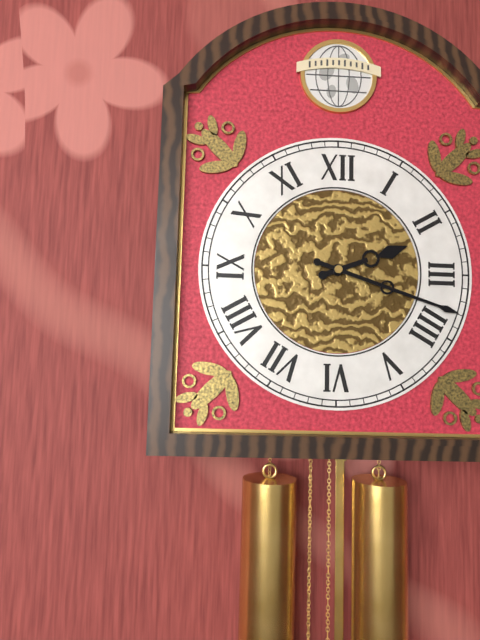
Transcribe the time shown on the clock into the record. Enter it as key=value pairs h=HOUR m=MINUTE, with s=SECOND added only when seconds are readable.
h=2 m=18
